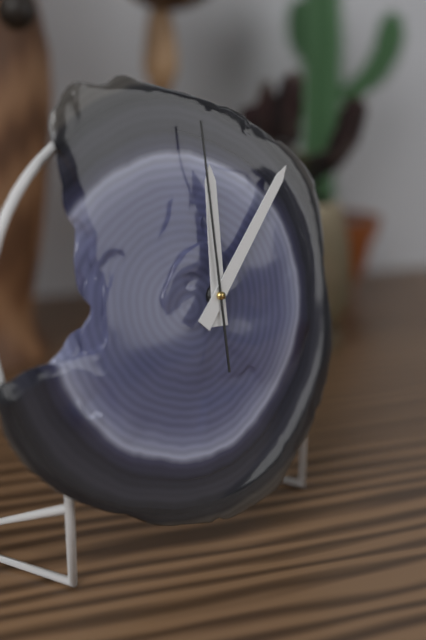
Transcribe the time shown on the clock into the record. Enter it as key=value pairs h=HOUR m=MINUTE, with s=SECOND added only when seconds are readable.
h=12 m=7 s=0
